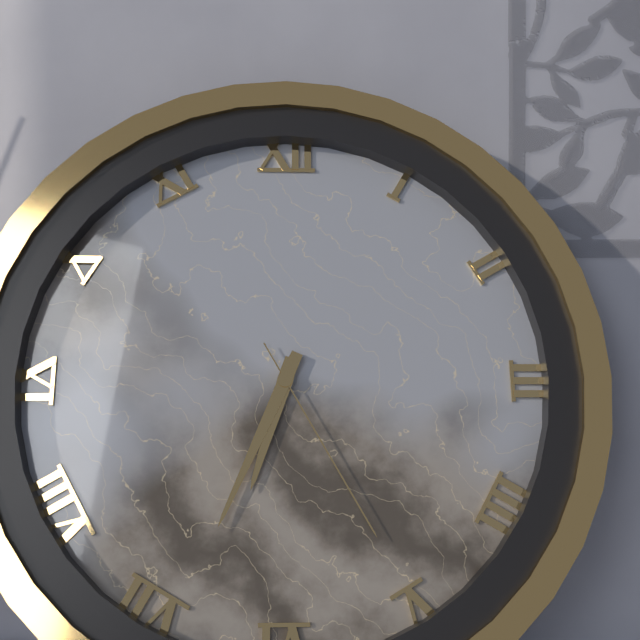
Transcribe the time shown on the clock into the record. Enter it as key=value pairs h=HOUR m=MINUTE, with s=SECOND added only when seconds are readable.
h=6 m=34 s=25
